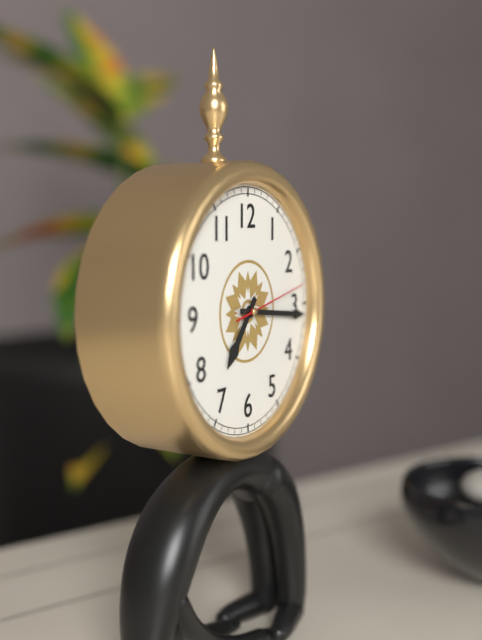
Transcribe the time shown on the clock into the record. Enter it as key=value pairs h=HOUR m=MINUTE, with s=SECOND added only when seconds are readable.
h=7 m=16 s=13
